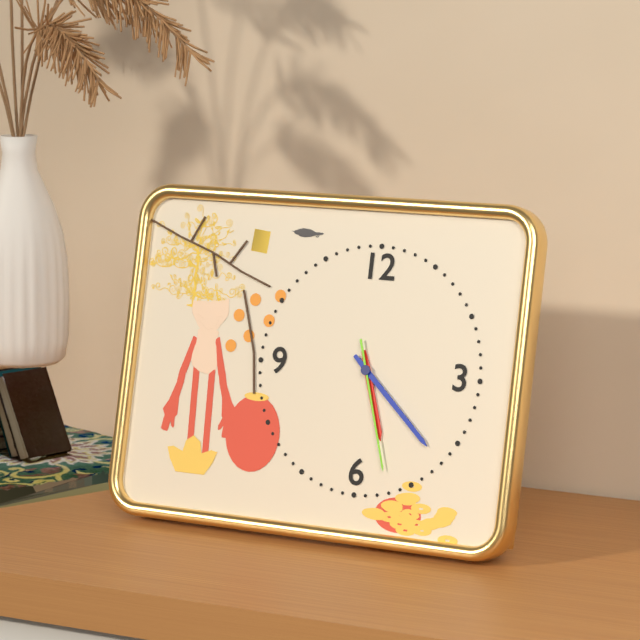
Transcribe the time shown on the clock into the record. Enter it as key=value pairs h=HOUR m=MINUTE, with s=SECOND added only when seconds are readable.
h=5 m=22 s=27
